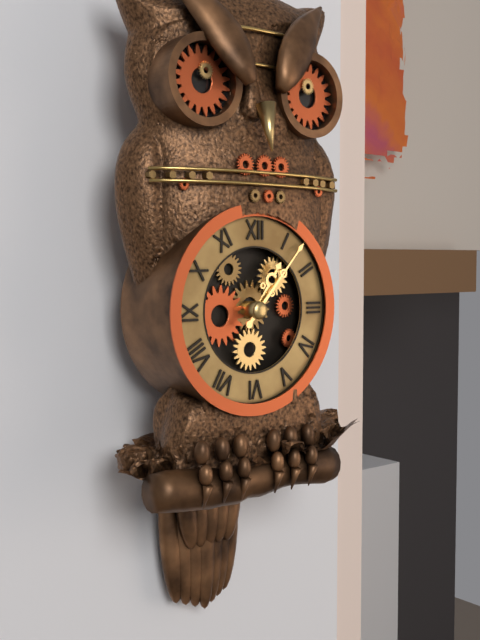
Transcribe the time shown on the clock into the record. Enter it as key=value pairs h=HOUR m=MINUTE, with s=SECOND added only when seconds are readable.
h=1 m=7
